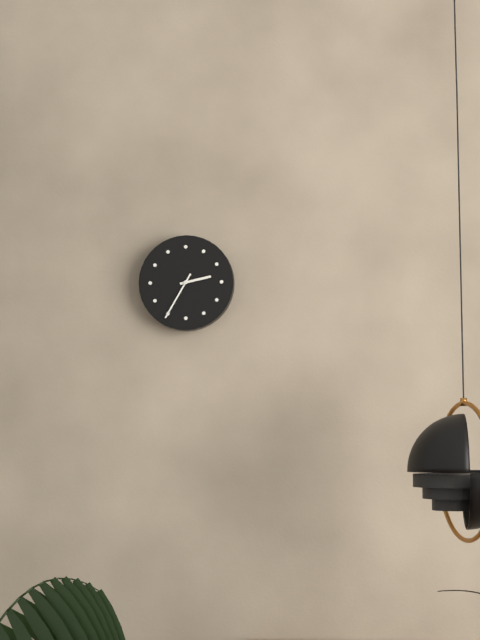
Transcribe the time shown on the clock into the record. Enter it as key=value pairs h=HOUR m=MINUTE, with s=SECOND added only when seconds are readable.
h=2 m=35
